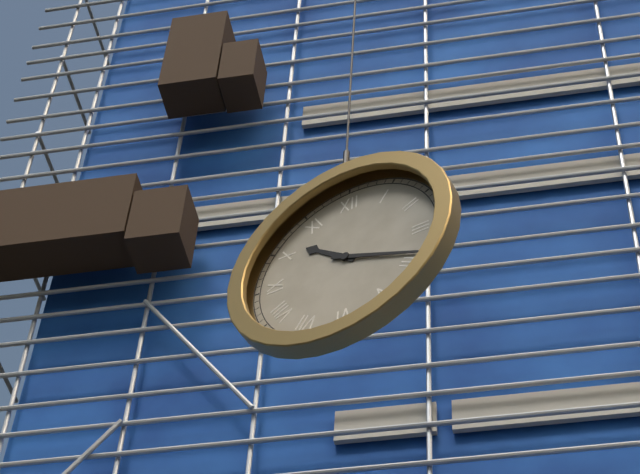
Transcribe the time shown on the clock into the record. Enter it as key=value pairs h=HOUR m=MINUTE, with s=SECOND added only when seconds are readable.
h=10 m=19
